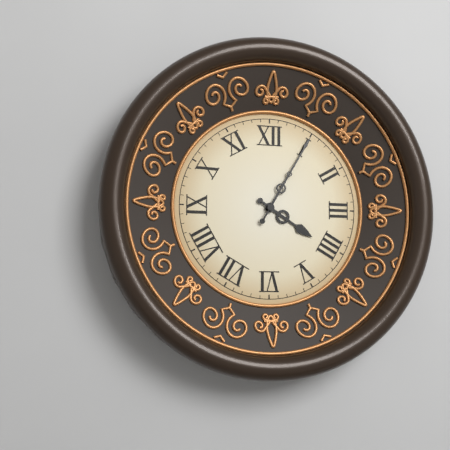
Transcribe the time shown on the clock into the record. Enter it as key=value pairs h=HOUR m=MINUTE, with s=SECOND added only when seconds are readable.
h=4 m=5
